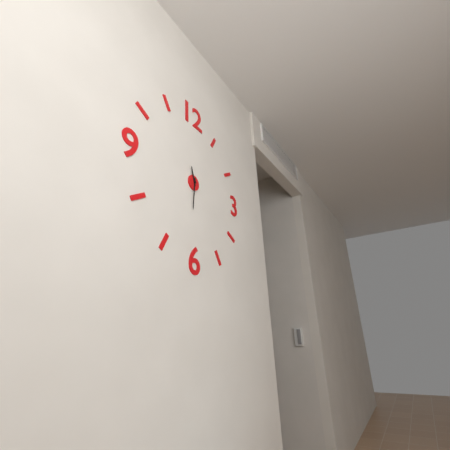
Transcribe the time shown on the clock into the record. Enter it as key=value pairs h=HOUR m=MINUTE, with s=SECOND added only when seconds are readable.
h=11 m=31
